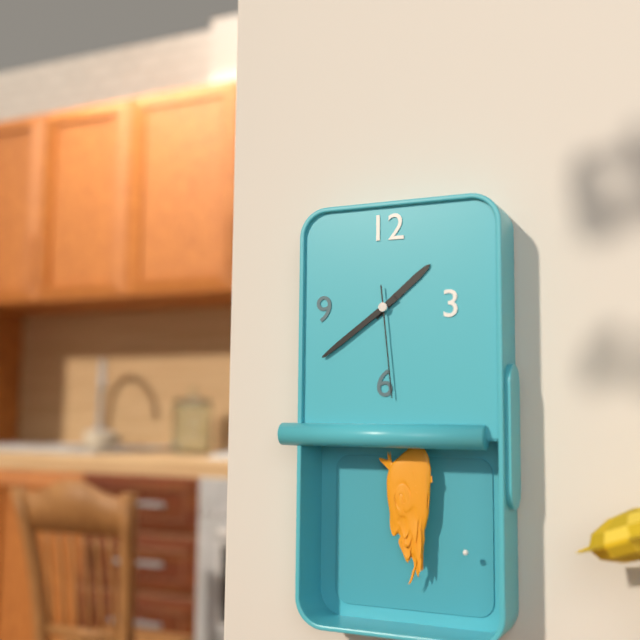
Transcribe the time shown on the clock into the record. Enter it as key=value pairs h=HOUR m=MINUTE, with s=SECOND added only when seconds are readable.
h=1 m=39 s=29
